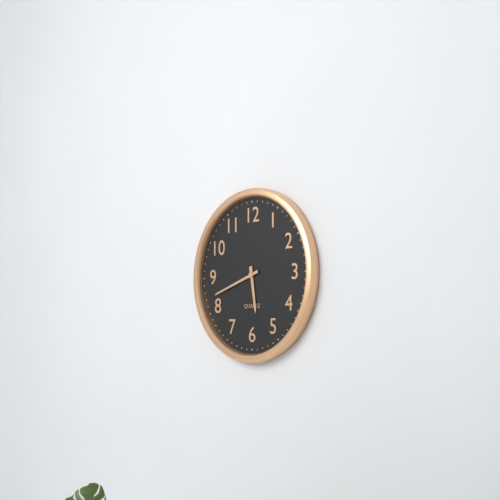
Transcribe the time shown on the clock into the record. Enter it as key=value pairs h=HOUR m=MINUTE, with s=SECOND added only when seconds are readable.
h=5 m=42
